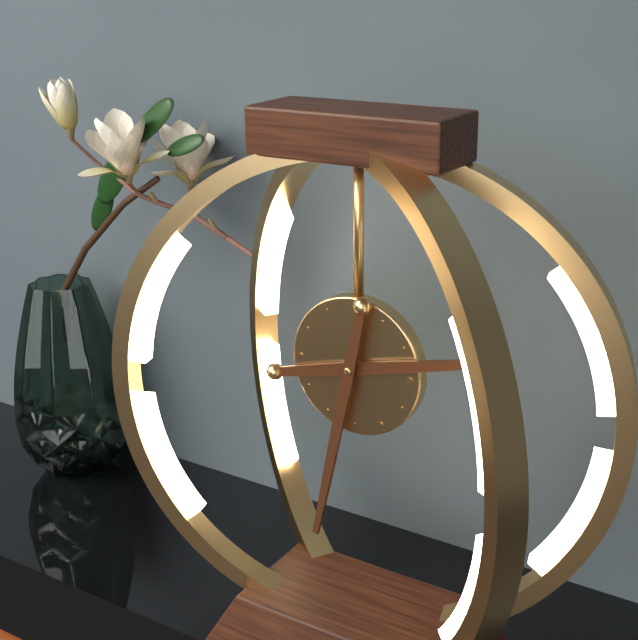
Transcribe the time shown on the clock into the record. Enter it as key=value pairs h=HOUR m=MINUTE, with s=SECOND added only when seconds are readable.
h=2 m=32
